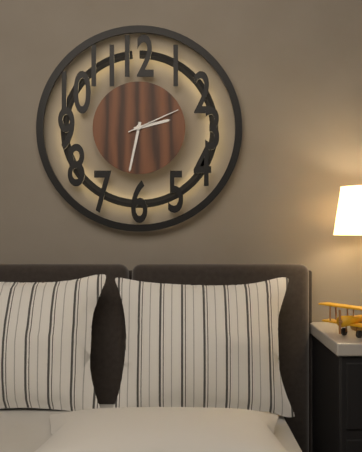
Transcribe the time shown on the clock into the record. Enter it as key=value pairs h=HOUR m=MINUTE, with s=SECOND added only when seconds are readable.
h=2 m=32 s=11
